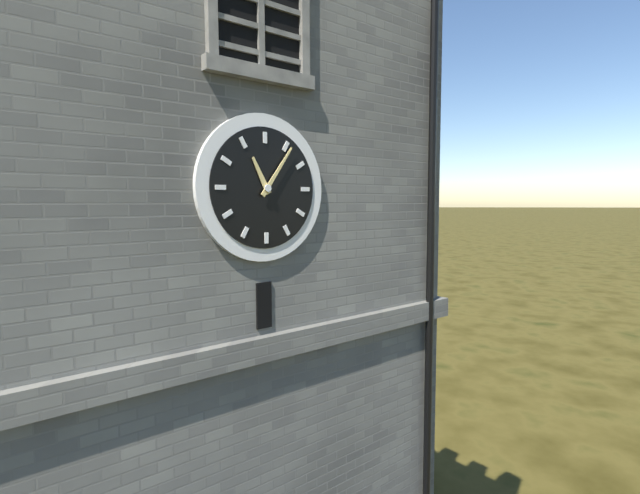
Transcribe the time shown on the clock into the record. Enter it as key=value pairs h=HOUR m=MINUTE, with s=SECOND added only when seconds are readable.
h=11 m=6
